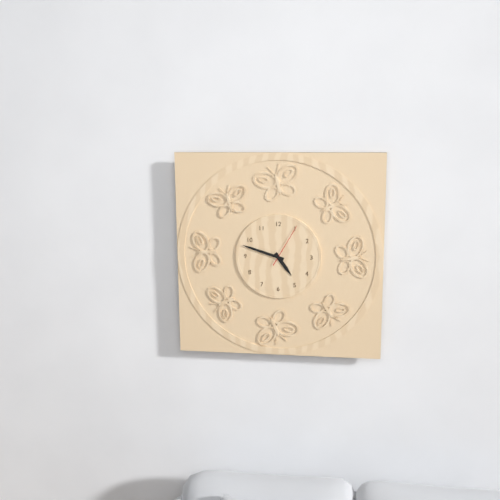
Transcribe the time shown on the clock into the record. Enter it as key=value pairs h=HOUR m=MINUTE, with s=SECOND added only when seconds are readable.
h=4 m=48
